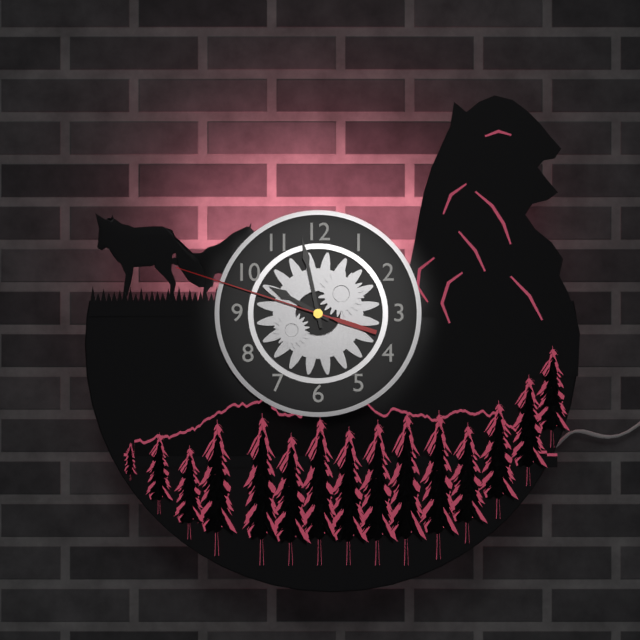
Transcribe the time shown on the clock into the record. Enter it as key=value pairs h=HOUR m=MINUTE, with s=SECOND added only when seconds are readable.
h=9 m=58 s=48
